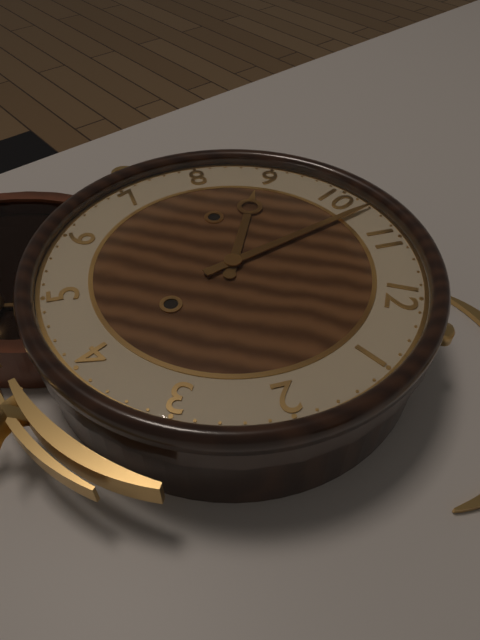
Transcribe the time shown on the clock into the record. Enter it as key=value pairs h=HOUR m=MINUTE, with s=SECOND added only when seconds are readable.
h=8 m=52
